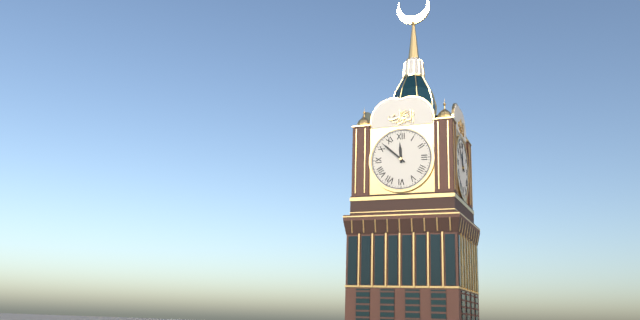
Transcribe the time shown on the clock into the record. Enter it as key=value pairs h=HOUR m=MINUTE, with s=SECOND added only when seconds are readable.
h=11 m=52
